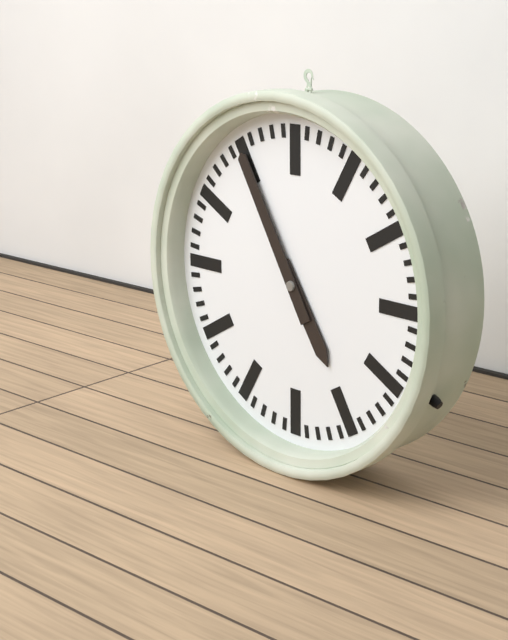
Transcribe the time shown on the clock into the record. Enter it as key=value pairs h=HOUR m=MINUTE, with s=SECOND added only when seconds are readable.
h=4 m=55
